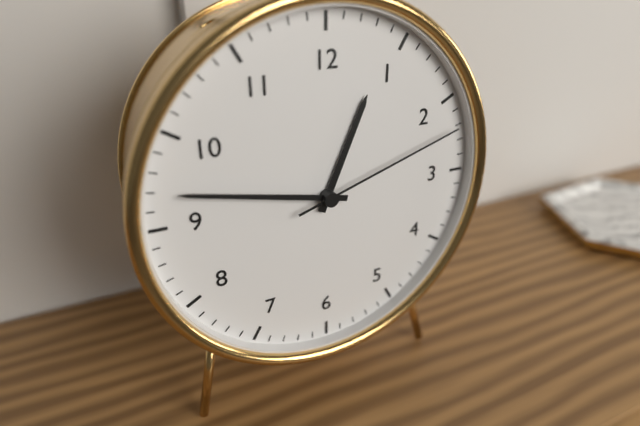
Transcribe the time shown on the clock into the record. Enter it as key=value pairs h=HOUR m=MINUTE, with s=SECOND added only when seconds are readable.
h=12 m=47 s=12
